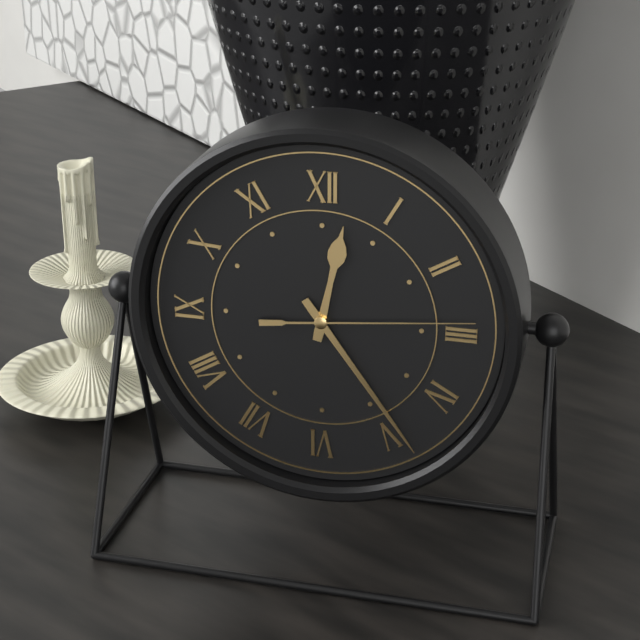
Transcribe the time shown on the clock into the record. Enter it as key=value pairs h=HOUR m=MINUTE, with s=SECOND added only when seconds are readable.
h=12 m=24 s=14
